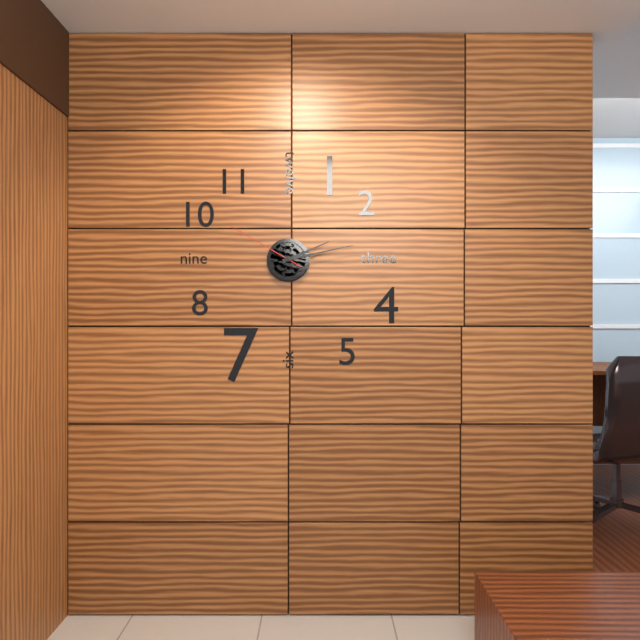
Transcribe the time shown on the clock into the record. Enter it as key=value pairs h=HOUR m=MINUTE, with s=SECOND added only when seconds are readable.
h=2 m=13 s=50
